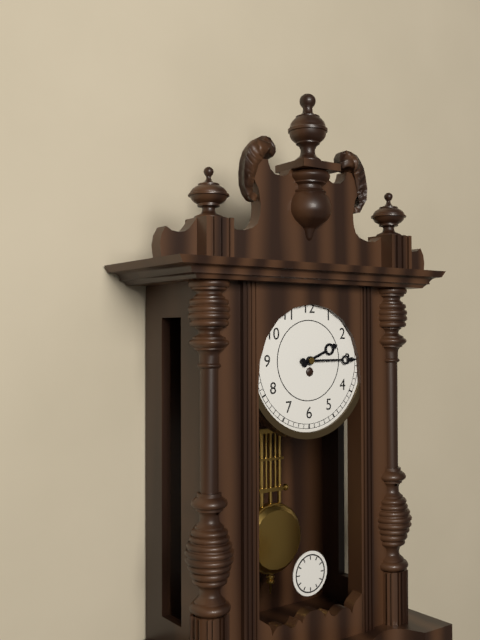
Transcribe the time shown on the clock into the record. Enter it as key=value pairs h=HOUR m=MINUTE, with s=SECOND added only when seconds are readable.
h=2 m=15
